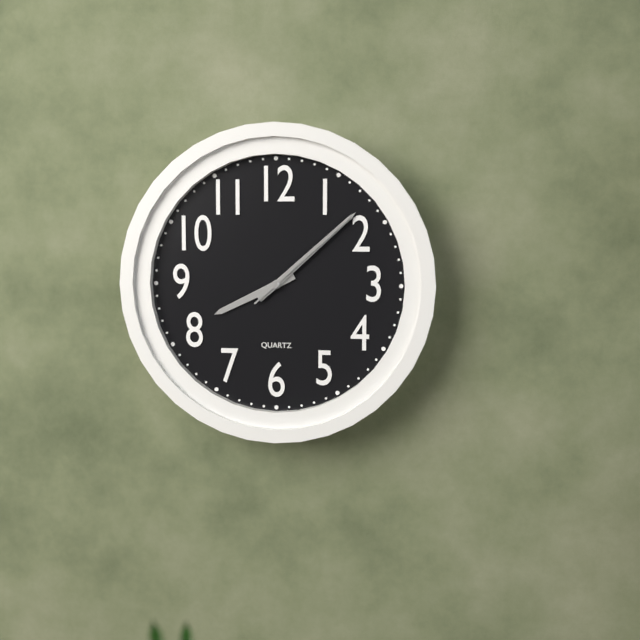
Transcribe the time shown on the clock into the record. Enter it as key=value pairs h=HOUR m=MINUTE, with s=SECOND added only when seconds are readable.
h=8 m=8 s=8
